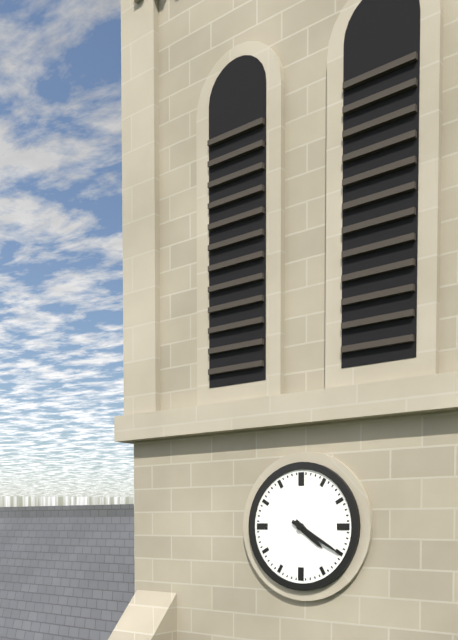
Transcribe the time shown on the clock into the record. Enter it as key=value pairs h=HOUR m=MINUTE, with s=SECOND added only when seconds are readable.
h=4 m=20
